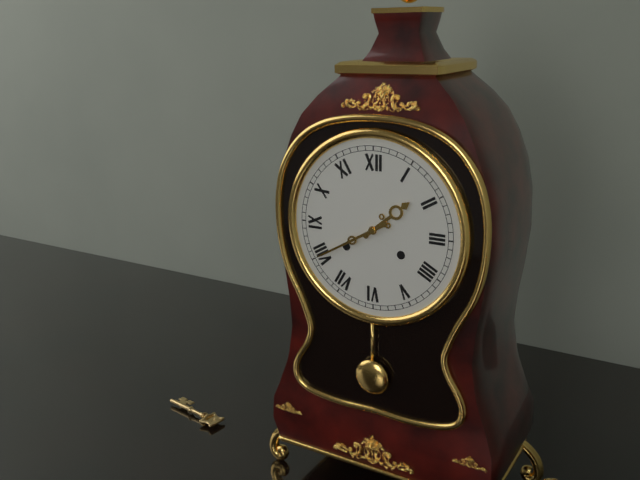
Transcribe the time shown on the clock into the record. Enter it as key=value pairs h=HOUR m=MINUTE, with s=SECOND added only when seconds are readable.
h=1 m=40
